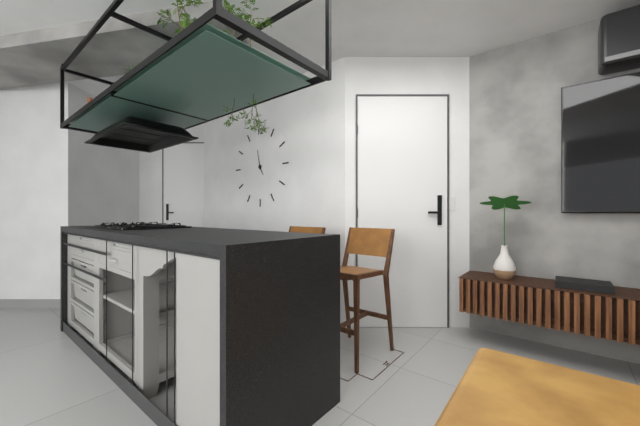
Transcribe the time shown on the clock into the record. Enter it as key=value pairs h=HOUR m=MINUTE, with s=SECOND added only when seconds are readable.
h=4 m=58
